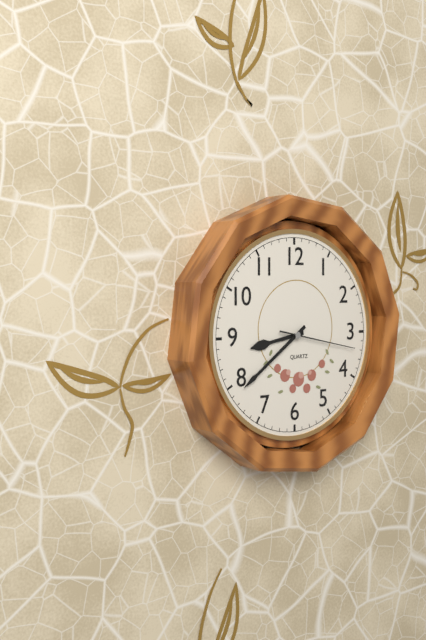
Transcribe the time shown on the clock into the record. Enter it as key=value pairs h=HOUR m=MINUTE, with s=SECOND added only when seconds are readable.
h=8 m=39 s=17
